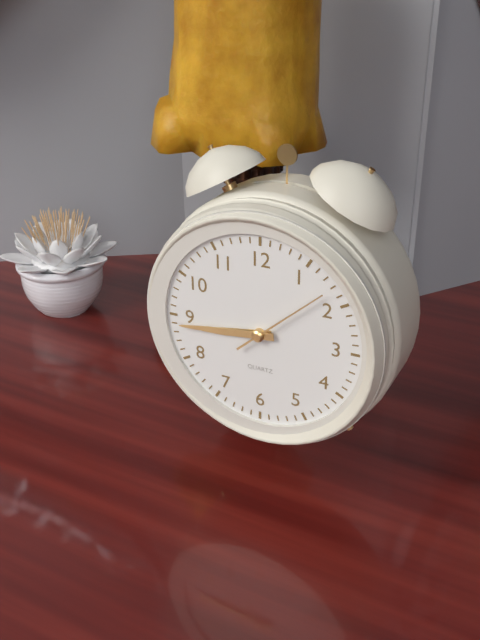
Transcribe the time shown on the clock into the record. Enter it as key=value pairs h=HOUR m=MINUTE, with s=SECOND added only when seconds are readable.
h=8 m=44 s=8
